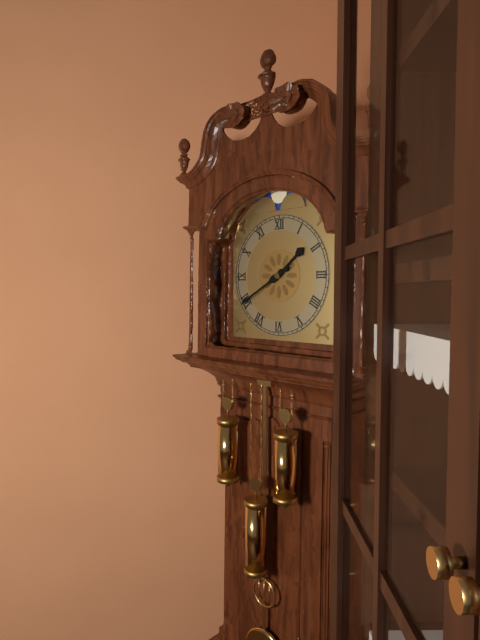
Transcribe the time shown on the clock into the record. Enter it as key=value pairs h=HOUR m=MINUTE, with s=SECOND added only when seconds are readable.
h=1 m=40
